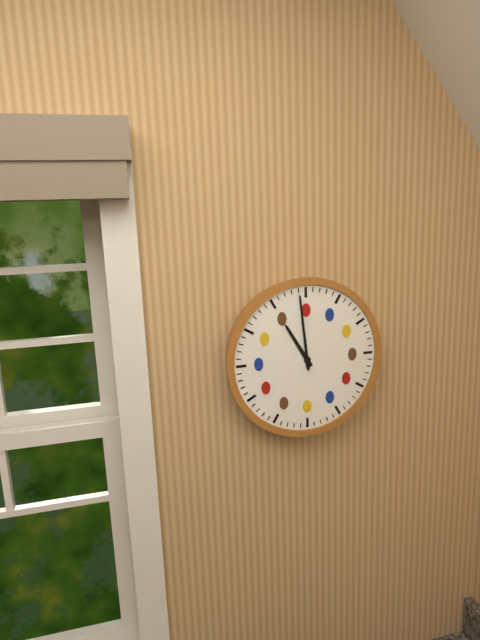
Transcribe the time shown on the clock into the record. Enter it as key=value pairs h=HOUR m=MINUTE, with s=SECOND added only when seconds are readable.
h=10 m=59
